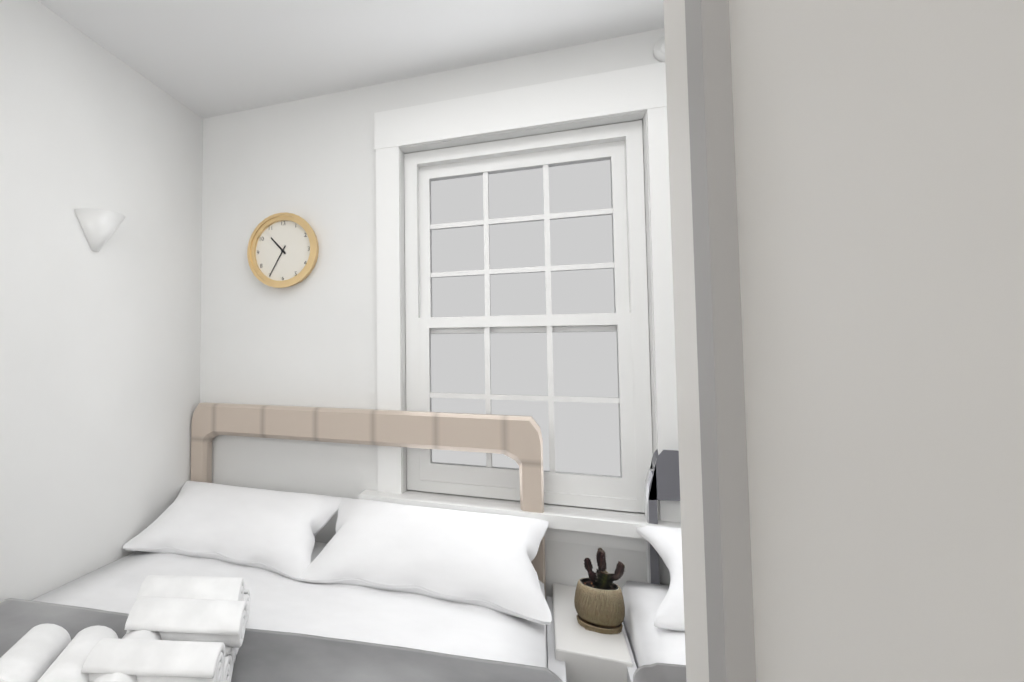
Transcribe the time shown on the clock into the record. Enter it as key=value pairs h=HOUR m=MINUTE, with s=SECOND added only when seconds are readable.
h=10 m=35
